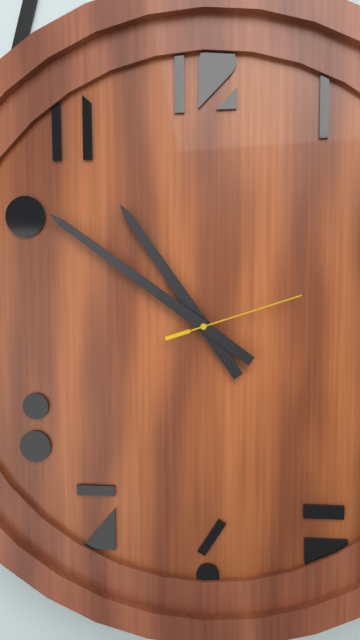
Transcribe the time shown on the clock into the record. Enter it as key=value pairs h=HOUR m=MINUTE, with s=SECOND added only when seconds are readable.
h=10 m=51 s=12
